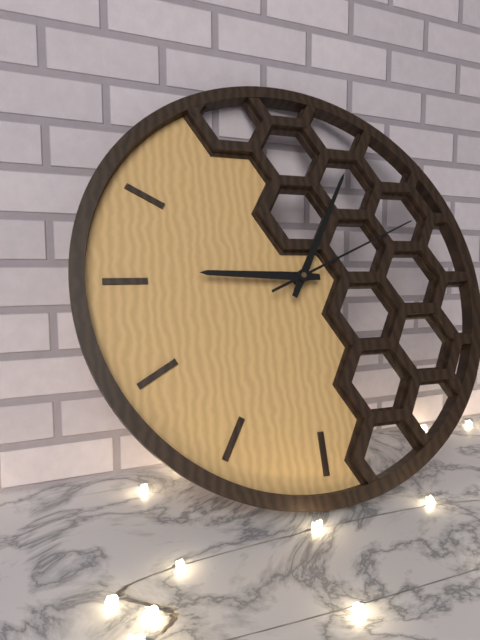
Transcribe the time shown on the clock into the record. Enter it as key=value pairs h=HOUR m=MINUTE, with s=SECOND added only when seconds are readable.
h=9 m=5 s=11
